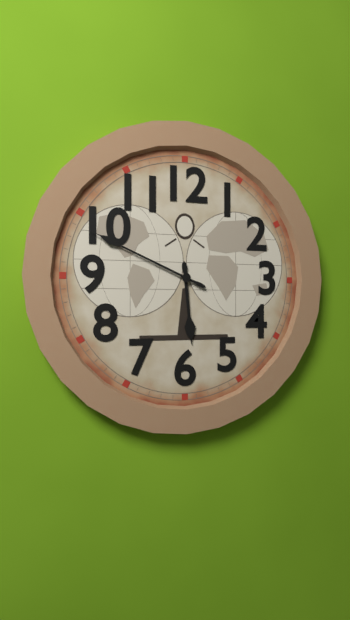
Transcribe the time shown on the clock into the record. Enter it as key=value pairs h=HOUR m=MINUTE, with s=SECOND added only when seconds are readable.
h=5 m=49
